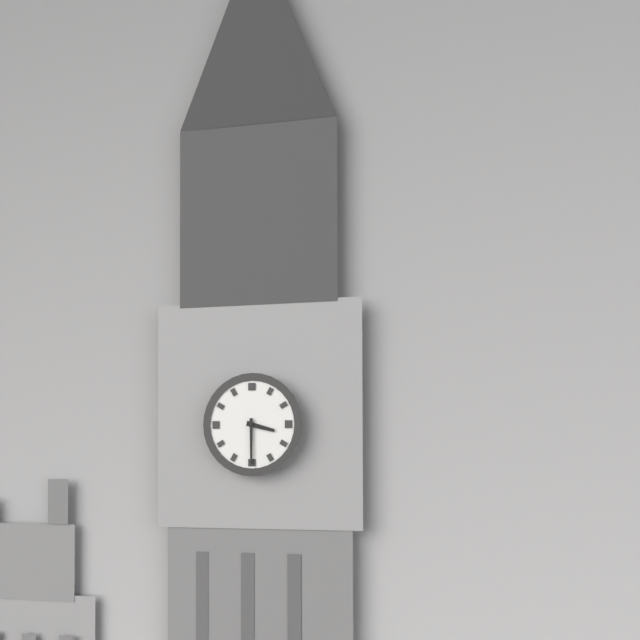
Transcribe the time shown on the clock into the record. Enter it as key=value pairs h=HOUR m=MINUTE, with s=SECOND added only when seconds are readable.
h=3 m=30
